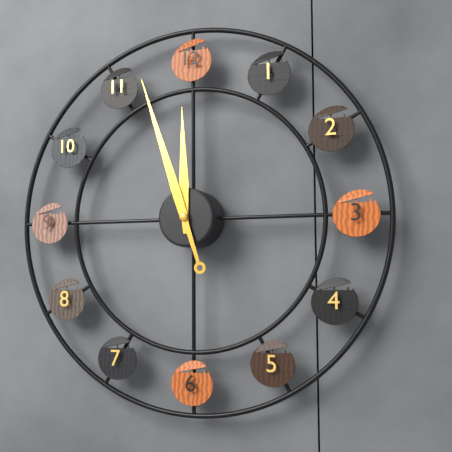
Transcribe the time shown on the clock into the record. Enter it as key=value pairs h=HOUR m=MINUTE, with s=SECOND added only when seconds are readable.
h=11 m=57
